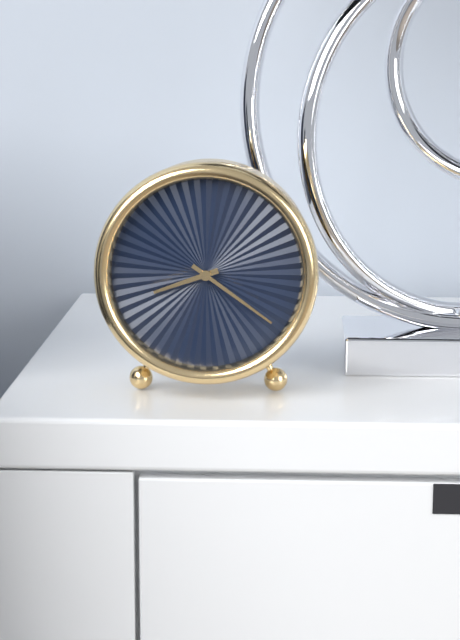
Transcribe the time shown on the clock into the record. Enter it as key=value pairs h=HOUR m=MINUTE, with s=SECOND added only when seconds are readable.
h=8 m=21
